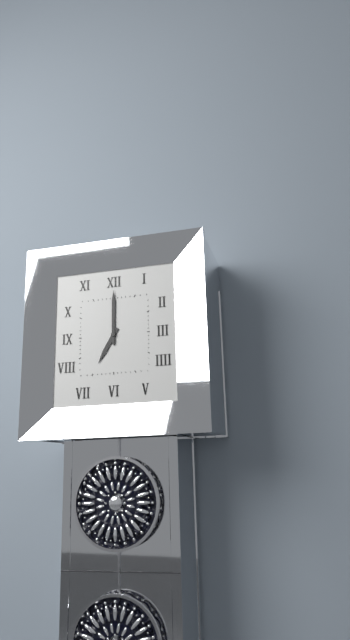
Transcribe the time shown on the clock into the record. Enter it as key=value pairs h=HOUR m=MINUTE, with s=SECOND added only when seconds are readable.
h=7 m=0
